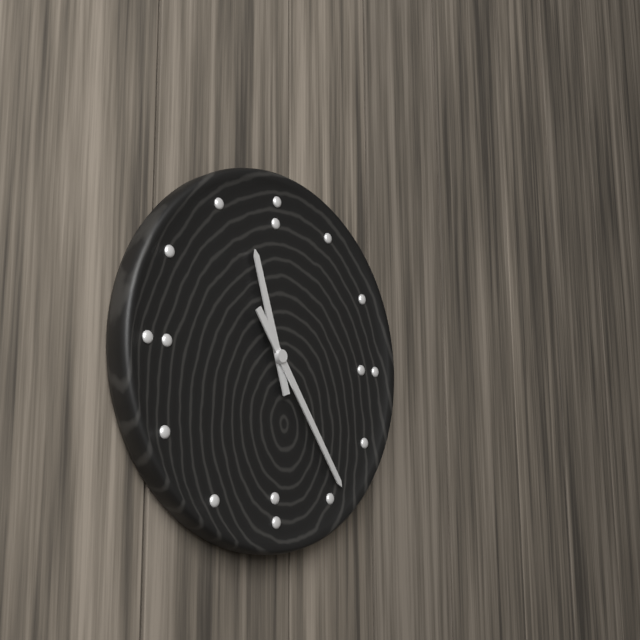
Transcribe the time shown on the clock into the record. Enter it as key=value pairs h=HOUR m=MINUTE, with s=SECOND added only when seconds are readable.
h=11 m=24
